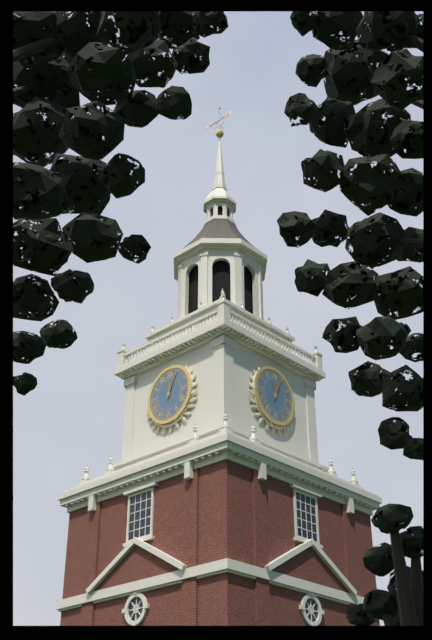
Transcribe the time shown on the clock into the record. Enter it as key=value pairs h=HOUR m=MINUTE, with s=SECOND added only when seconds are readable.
h=12 m=4
